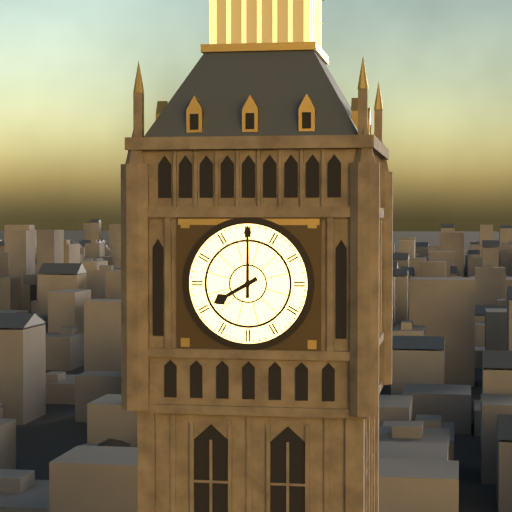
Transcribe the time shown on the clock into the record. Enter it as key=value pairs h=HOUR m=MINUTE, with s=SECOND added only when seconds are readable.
h=8 m=0
